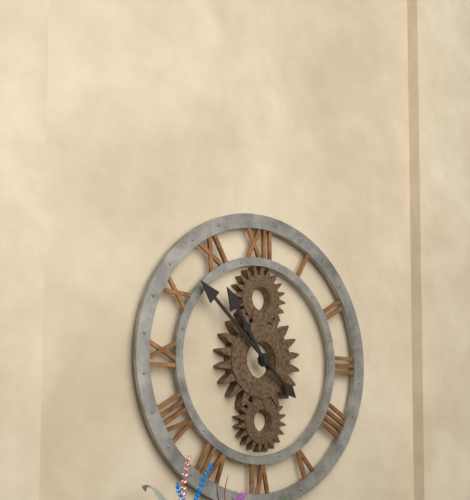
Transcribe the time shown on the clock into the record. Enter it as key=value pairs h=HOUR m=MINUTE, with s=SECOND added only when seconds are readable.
h=10 m=52
